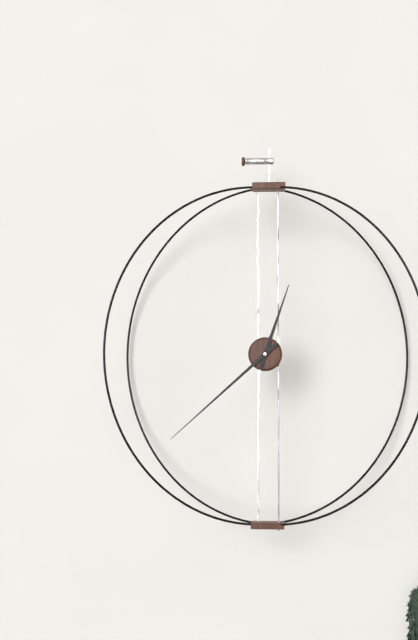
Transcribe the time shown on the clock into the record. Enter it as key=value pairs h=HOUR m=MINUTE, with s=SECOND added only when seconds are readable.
h=12 m=38
